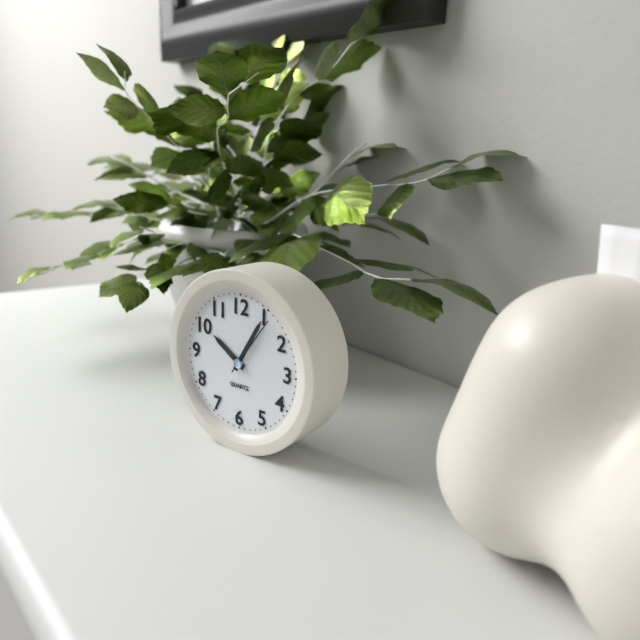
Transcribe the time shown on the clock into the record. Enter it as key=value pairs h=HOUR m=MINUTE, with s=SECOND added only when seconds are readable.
h=10 m=5 s=6
